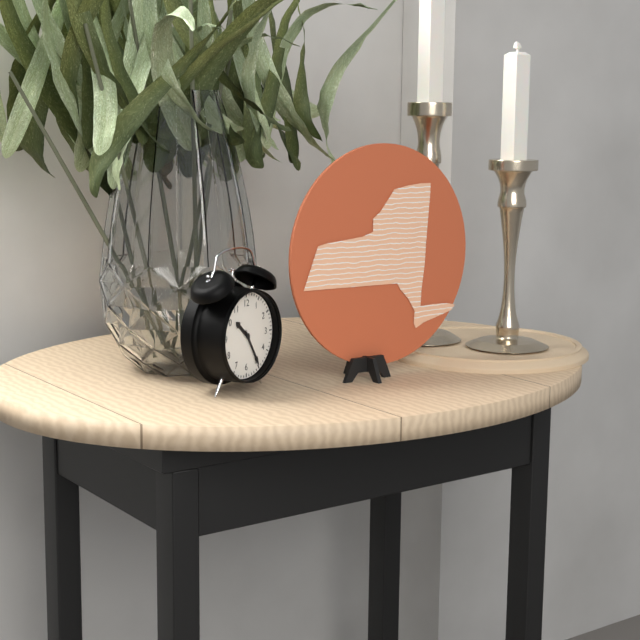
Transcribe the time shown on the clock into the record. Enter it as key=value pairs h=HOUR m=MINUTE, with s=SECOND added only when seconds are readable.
h=10 m=25
